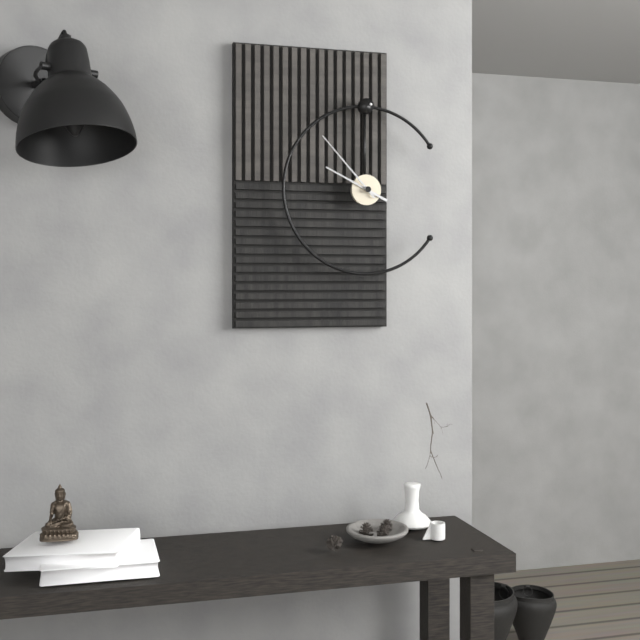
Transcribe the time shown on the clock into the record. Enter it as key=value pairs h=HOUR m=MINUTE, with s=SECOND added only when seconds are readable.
h=9 m=53
